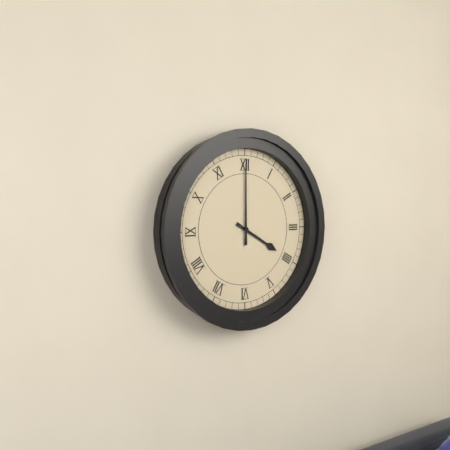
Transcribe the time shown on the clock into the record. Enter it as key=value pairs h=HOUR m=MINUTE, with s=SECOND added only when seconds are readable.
h=4 m=0
